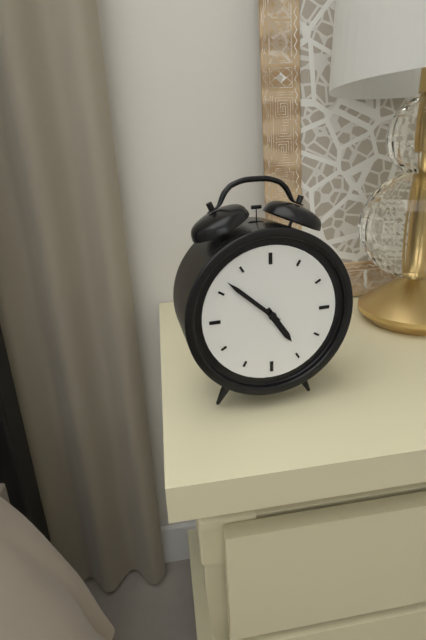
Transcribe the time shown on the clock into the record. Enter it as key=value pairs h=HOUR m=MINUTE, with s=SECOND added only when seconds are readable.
h=4 m=52
